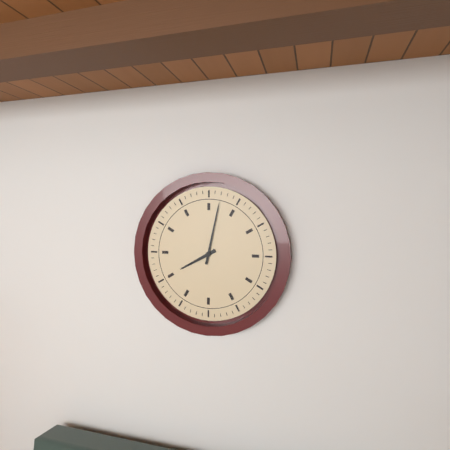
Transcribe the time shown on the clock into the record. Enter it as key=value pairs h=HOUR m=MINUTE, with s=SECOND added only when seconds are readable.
h=8 m=2
